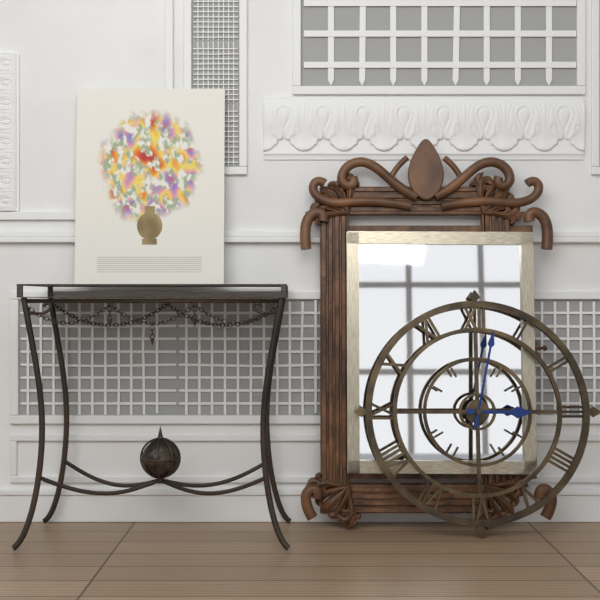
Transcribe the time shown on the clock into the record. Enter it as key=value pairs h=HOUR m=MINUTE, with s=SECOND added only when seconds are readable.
h=3 m=2
